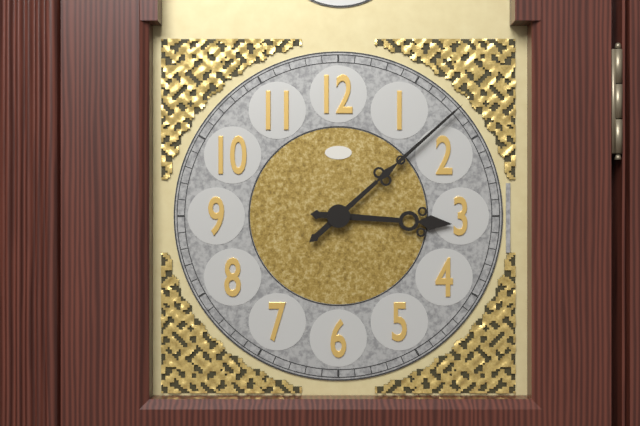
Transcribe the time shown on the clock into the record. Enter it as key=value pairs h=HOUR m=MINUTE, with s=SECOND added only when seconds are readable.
h=3 m=8
